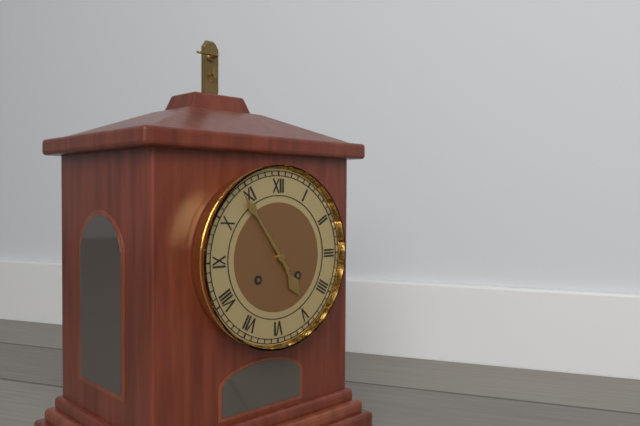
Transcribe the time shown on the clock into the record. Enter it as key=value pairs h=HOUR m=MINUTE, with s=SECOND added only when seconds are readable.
h=4 m=54
